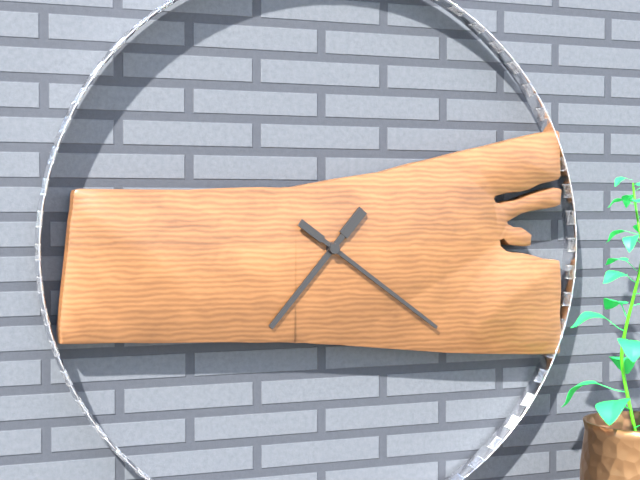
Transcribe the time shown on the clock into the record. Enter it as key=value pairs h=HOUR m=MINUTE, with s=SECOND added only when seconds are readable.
h=7 m=21
